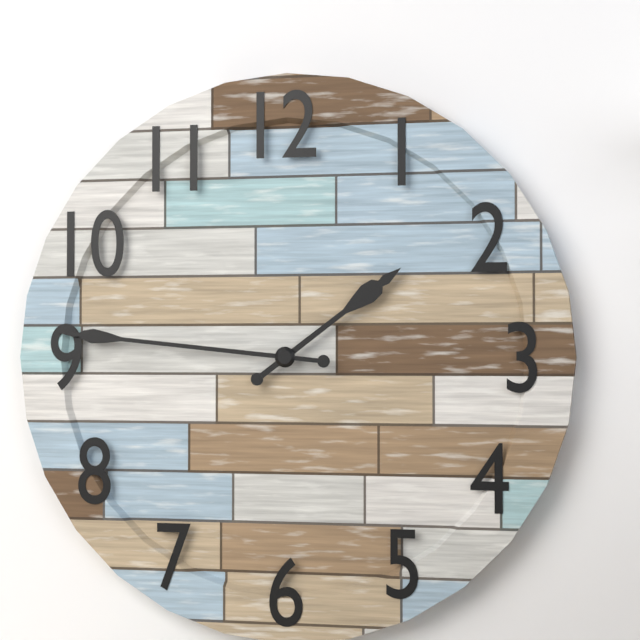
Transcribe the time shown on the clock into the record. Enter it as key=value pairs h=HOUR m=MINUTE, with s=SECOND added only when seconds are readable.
h=1 m=46
